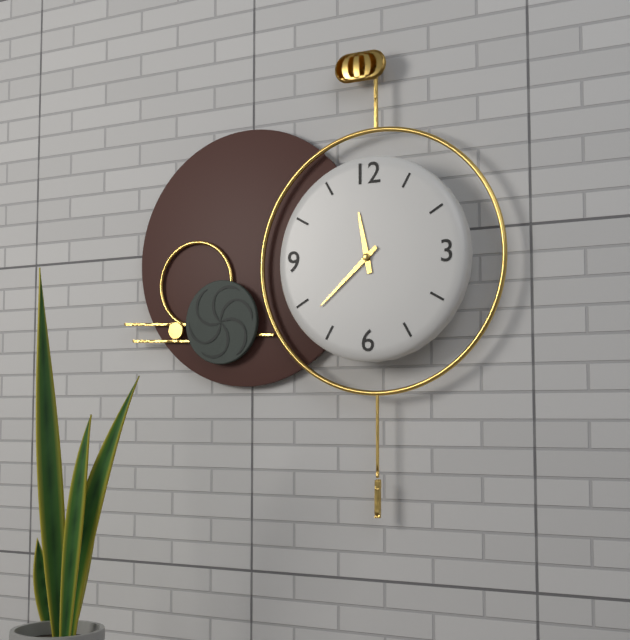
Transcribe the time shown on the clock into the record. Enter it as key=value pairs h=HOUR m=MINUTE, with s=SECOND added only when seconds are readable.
h=11 m=38
